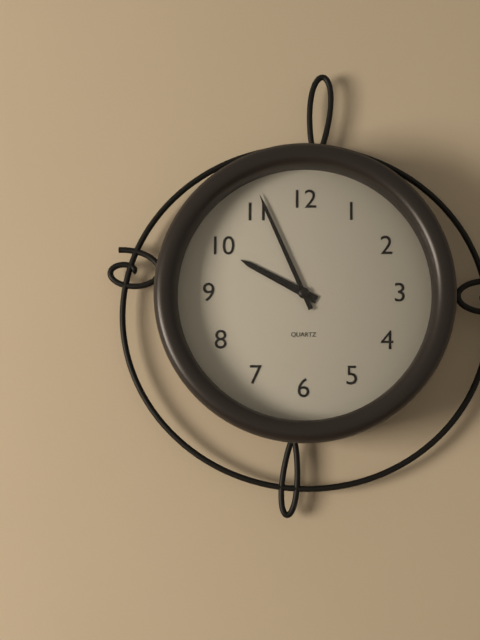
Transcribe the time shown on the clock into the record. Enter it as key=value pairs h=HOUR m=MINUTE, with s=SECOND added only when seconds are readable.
h=9 m=56
